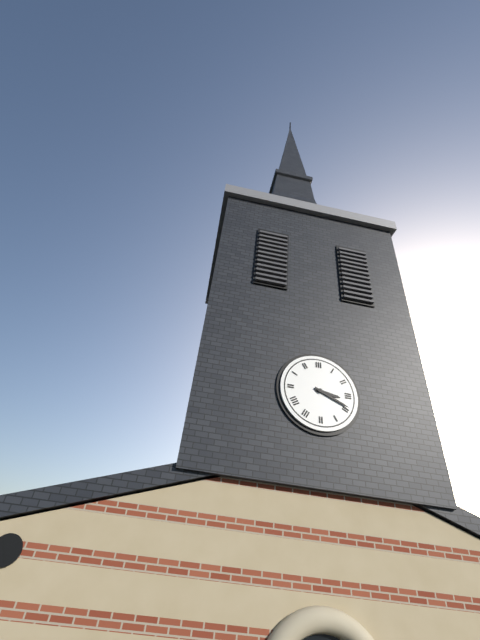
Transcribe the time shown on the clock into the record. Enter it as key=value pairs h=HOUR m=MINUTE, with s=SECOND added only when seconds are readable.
h=3 m=19
